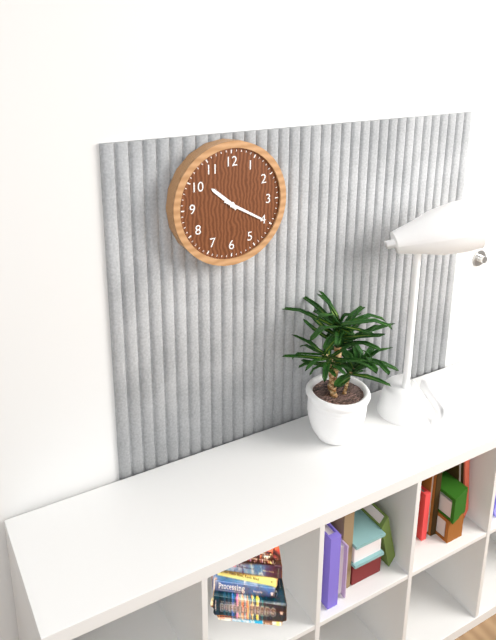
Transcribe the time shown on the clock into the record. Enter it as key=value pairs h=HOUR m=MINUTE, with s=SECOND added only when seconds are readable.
h=10 m=20
